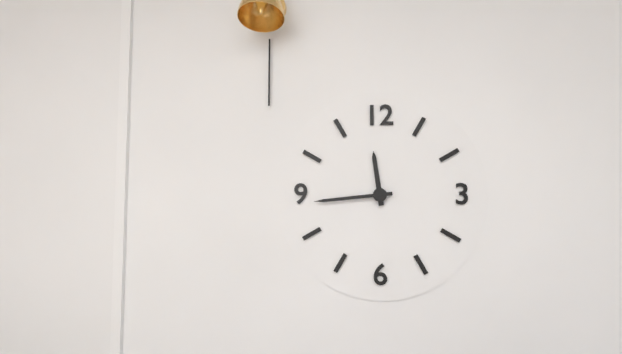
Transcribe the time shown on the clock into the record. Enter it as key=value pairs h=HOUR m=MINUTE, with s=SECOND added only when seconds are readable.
h=11 m=44
